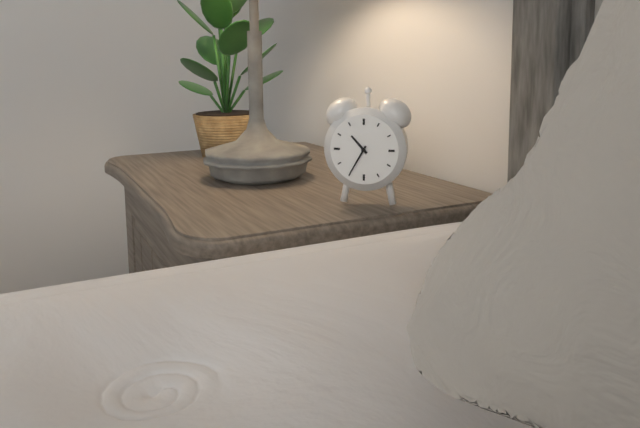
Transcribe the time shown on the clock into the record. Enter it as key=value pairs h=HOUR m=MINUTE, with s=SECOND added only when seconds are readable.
h=10 m=35
